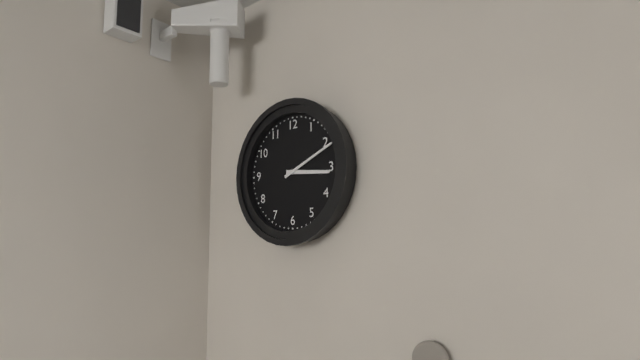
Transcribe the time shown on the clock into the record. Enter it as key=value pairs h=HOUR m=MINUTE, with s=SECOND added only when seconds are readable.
h=3 m=11
